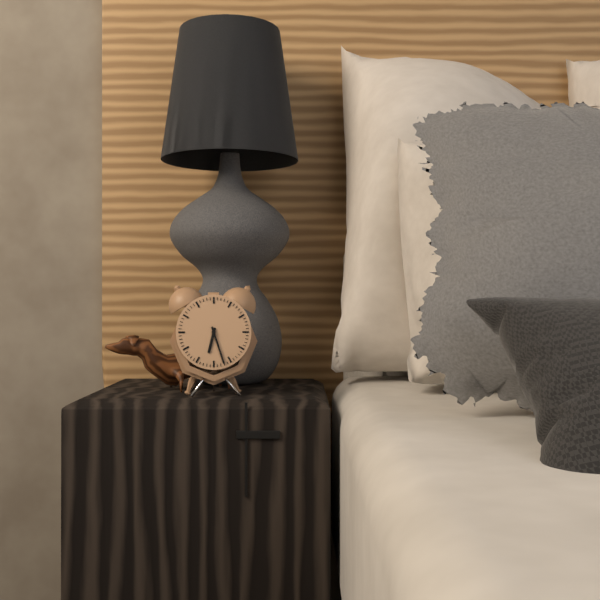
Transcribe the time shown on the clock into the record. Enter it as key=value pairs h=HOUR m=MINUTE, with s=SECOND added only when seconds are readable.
h=6 m=27
